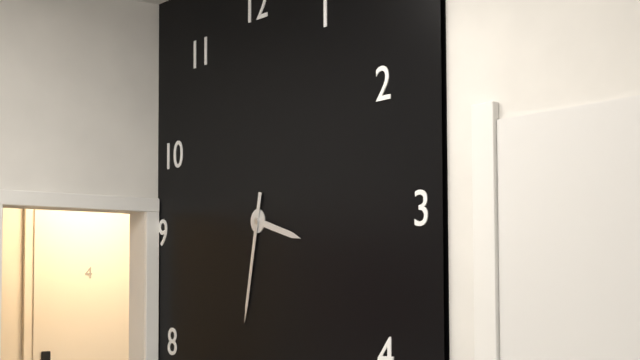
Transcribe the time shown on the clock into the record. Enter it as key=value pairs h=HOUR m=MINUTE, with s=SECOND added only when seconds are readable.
h=3 m=32
